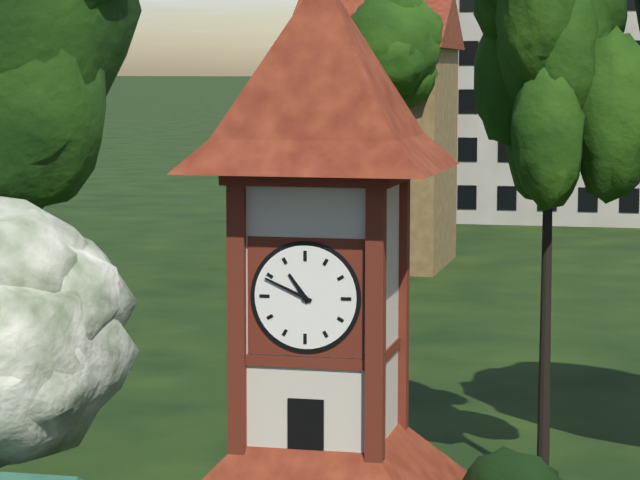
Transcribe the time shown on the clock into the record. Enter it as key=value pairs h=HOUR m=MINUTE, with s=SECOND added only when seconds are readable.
h=10 m=49
